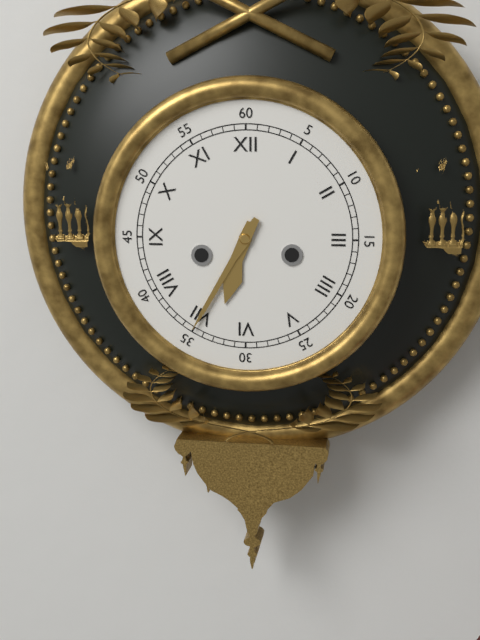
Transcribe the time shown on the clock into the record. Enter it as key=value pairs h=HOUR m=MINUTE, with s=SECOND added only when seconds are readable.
h=6 m=35
